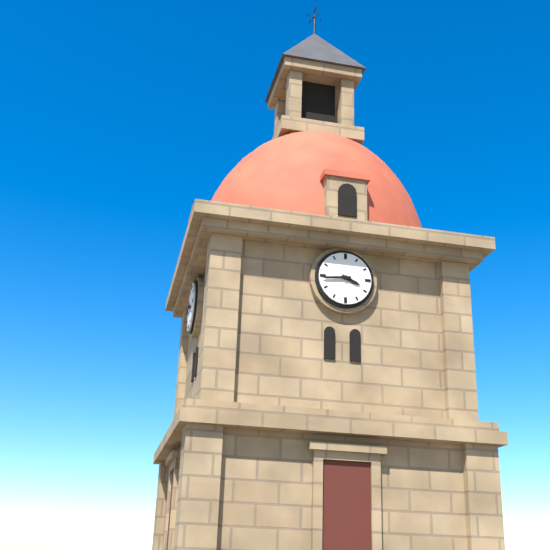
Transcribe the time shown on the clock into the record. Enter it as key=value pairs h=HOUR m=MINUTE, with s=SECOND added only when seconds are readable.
h=3 m=44
